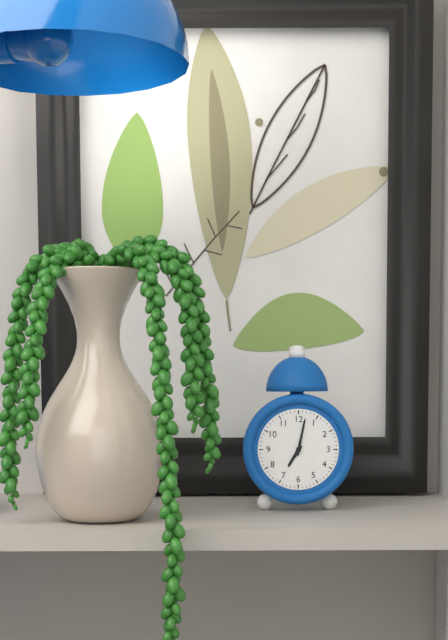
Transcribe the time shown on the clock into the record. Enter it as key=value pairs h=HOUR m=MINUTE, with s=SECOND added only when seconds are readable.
h=7 m=2
